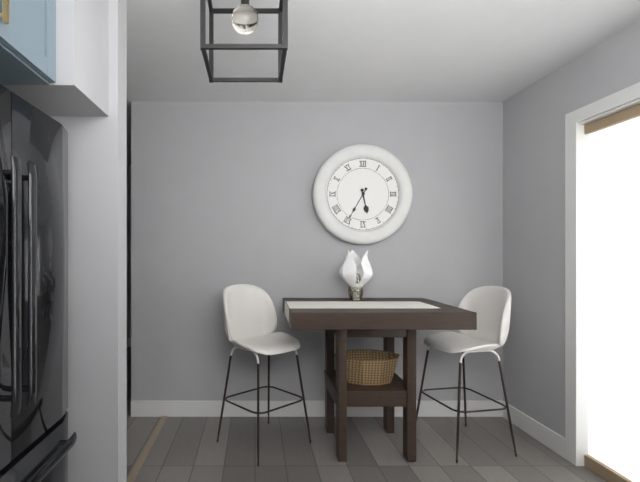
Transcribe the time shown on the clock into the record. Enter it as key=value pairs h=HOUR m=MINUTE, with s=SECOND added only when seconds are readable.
h=5 m=35
